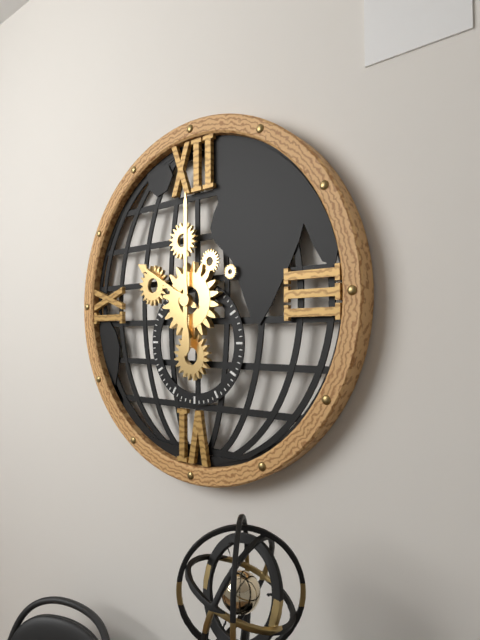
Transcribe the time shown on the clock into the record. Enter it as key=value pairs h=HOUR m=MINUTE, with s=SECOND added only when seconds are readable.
h=10 m=0
